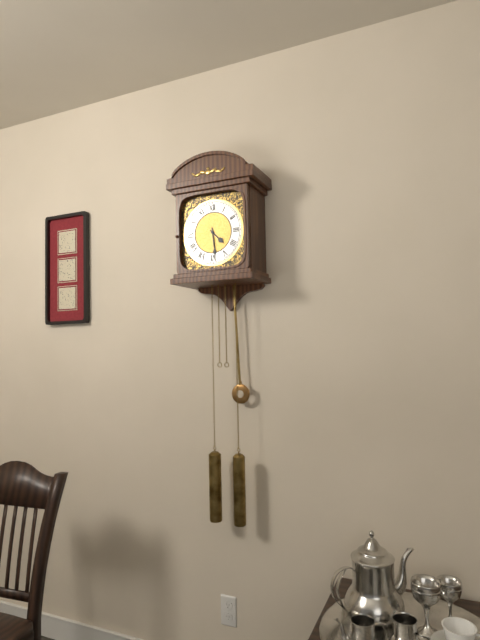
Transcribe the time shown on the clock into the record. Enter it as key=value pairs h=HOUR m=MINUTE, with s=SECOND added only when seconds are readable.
h=4 m=29
